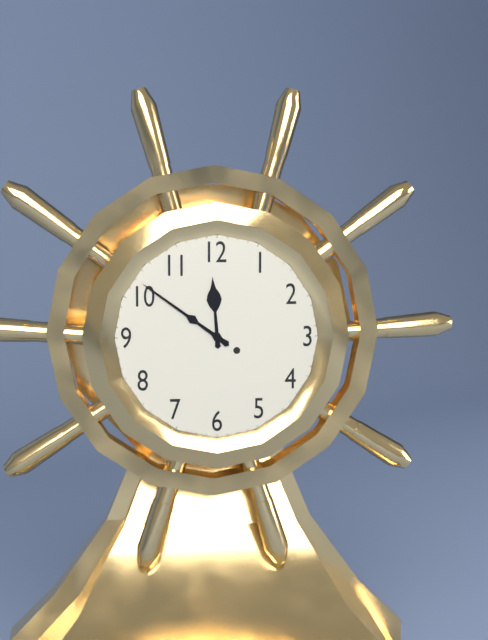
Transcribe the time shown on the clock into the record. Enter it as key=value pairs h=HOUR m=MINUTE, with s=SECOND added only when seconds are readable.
h=11 m=51
